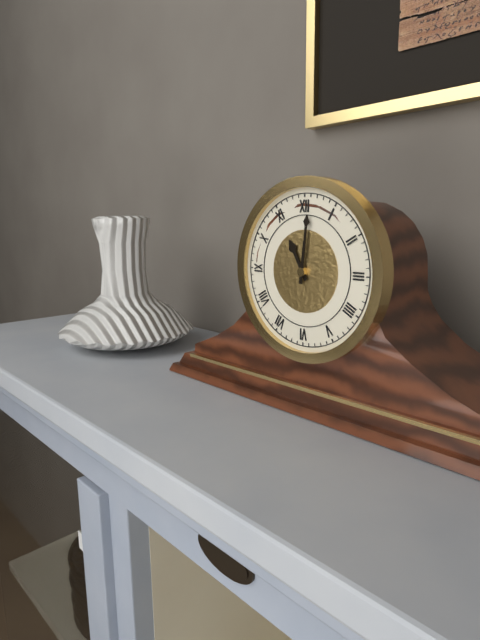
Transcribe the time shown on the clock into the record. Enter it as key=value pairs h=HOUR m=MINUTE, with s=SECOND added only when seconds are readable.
h=11 m=1
